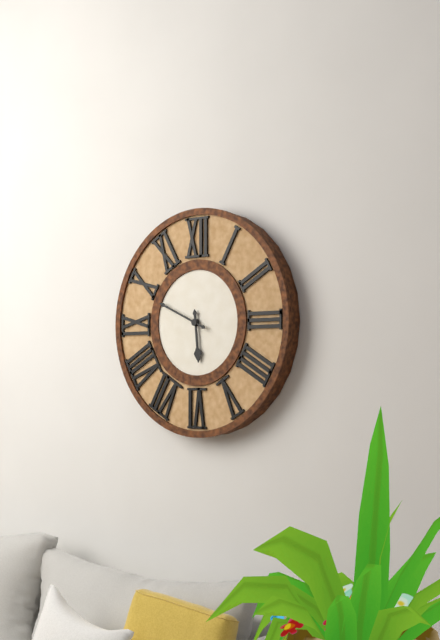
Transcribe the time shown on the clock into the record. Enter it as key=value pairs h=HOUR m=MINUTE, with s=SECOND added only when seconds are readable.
h=5 m=49
